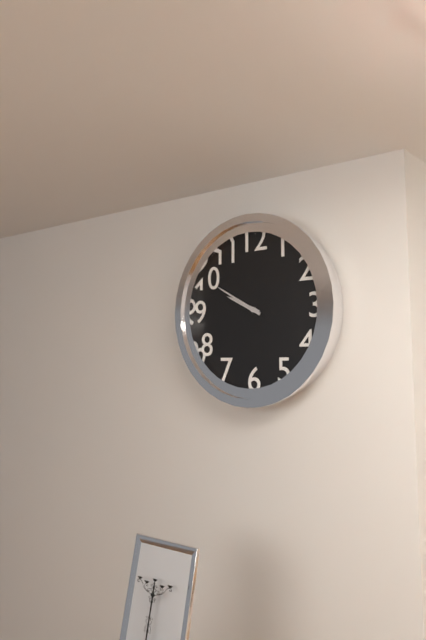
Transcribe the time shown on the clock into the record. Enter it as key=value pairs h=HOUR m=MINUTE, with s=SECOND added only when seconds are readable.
h=9 m=50
